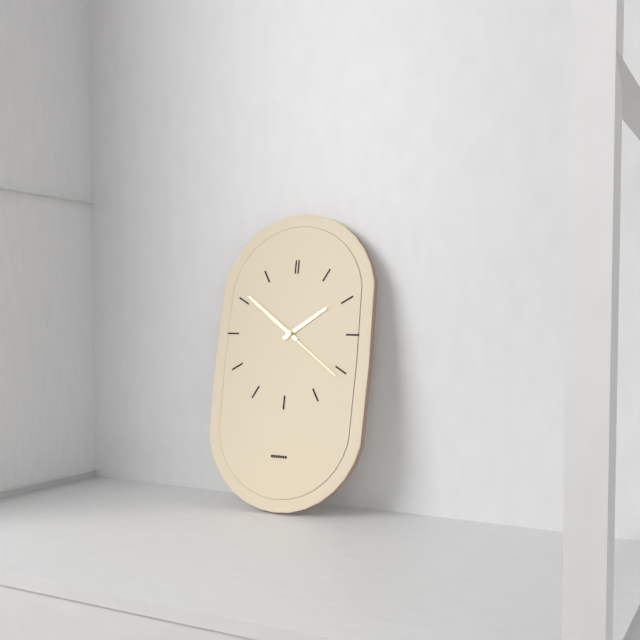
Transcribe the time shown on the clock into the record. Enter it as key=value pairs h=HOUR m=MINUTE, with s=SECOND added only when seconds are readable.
h=1 m=51 s=21
